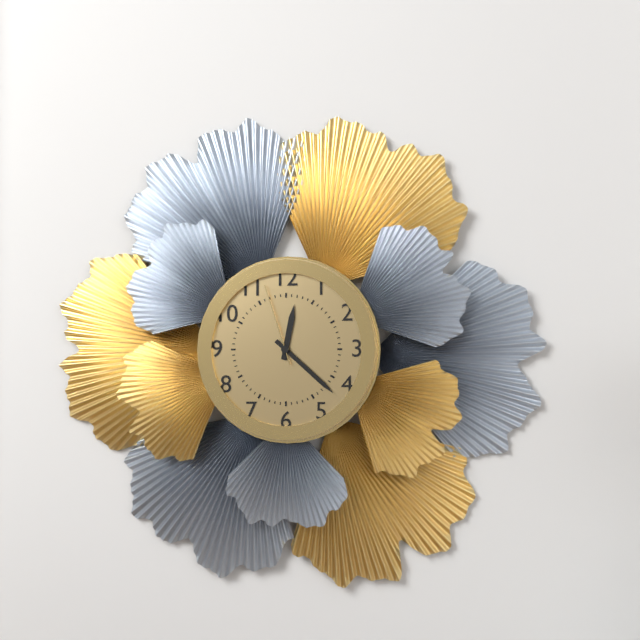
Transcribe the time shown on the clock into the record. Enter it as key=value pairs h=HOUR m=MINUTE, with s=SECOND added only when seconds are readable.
h=12 m=22 s=57
